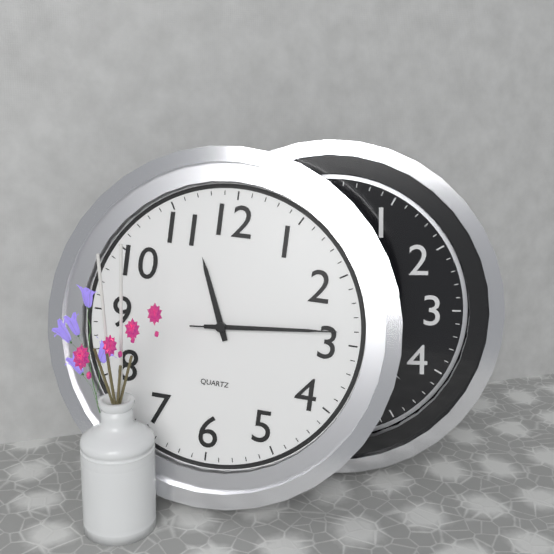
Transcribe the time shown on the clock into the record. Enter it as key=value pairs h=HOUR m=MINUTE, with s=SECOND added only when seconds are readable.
h=11 m=14 s=14
